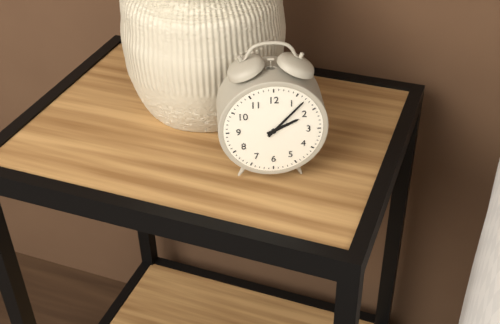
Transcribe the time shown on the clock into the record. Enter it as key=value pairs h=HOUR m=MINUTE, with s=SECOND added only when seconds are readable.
h=2 m=7
